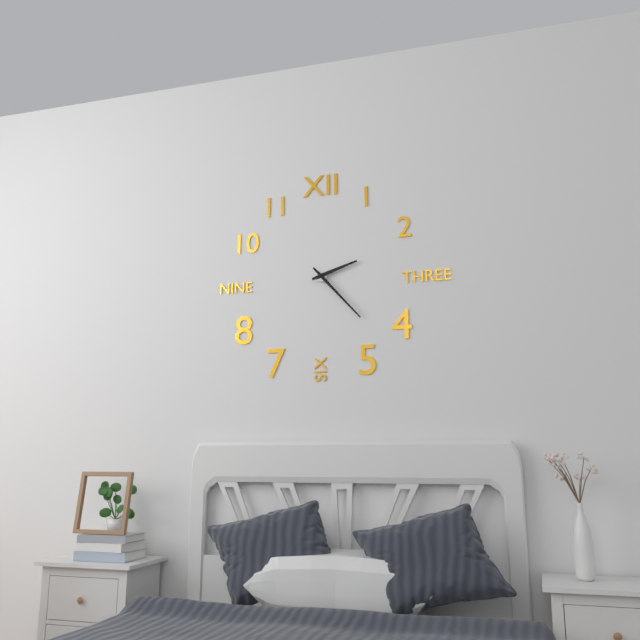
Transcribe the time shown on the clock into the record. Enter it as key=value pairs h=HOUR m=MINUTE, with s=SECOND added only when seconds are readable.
h=2 m=23
